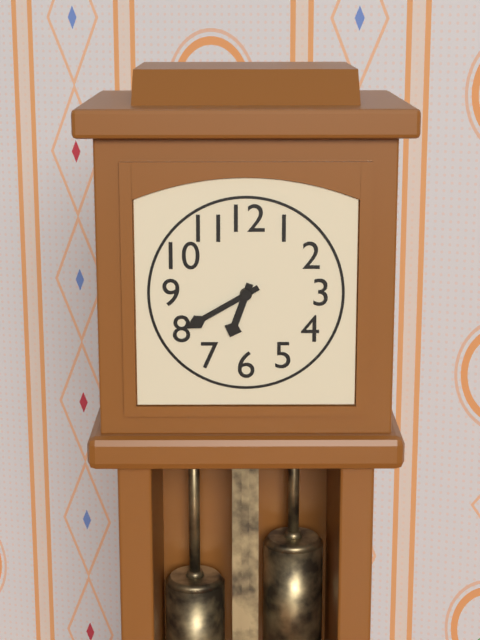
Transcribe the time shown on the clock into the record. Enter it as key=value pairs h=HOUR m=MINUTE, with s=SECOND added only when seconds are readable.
h=6 m=40
